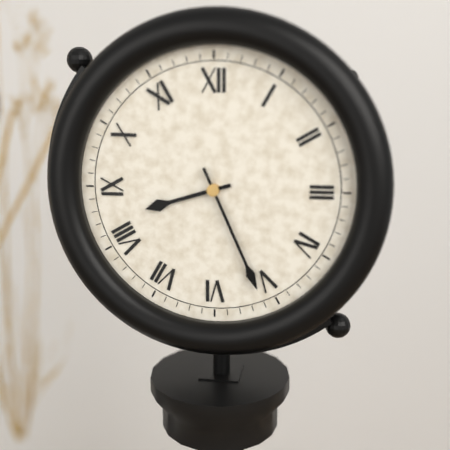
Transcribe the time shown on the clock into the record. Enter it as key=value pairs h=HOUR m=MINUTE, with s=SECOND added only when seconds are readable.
h=8 m=26
